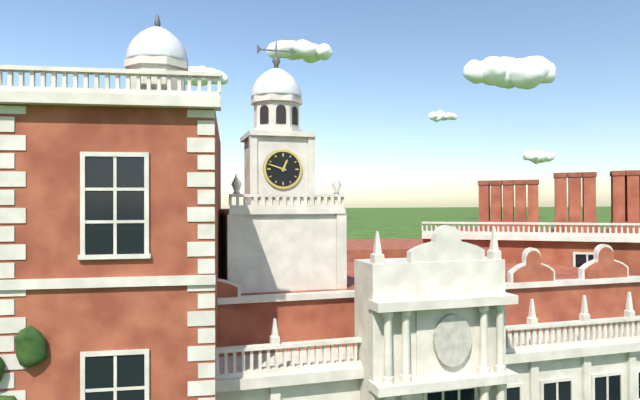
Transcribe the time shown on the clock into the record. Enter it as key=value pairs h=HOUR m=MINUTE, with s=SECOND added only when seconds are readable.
h=12 m=48
